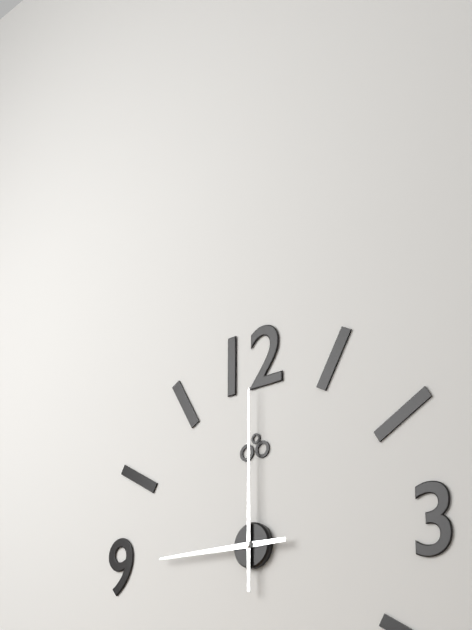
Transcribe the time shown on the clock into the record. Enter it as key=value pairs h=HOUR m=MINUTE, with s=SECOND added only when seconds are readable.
h=9 m=0
